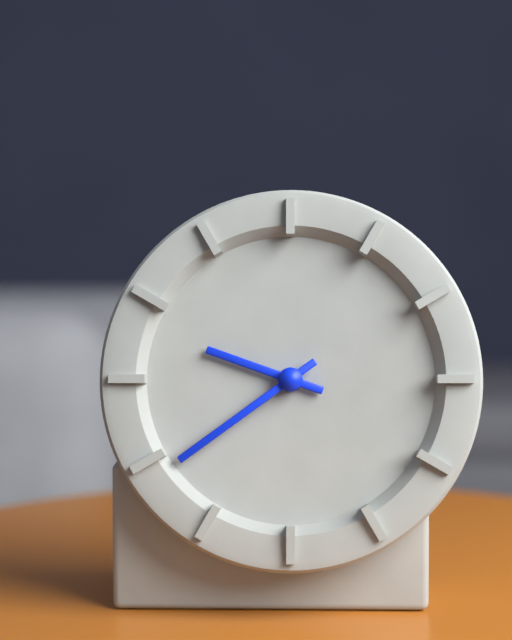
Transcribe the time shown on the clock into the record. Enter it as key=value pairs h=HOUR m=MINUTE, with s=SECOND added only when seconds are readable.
h=9 m=39
